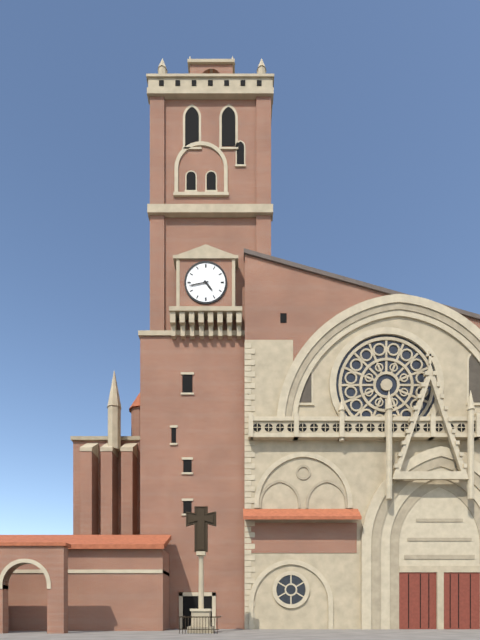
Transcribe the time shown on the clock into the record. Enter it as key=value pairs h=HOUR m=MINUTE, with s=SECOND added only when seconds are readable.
h=4 m=43
